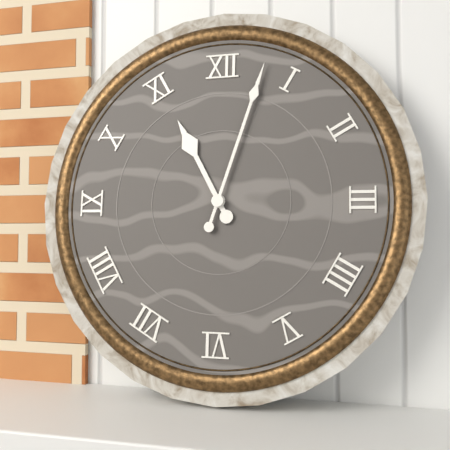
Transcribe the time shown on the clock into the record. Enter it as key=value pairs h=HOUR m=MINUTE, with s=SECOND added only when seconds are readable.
h=11 m=3
